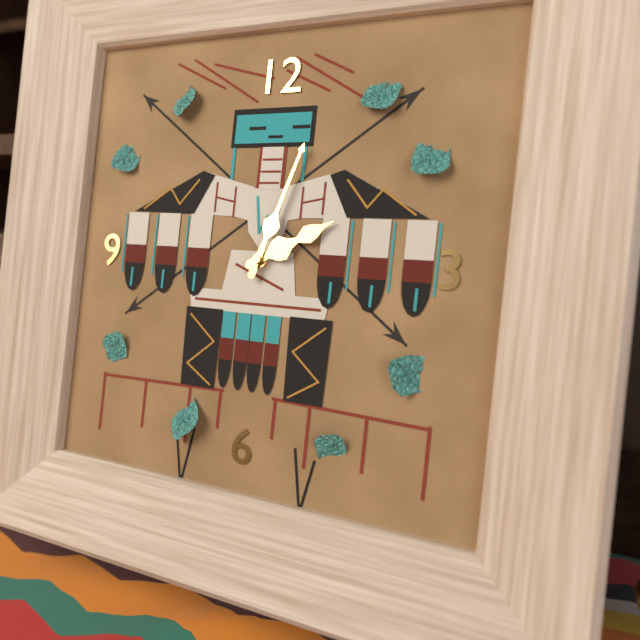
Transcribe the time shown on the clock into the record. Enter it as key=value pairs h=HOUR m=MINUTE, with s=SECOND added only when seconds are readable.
h=2 m=3
